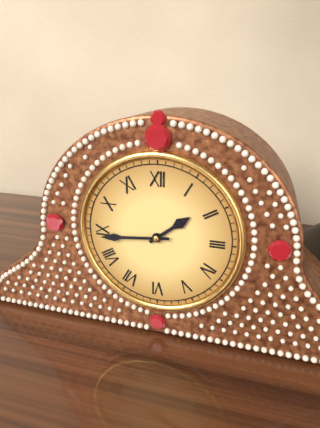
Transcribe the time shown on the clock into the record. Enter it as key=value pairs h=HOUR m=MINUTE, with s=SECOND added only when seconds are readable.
h=1 m=44
